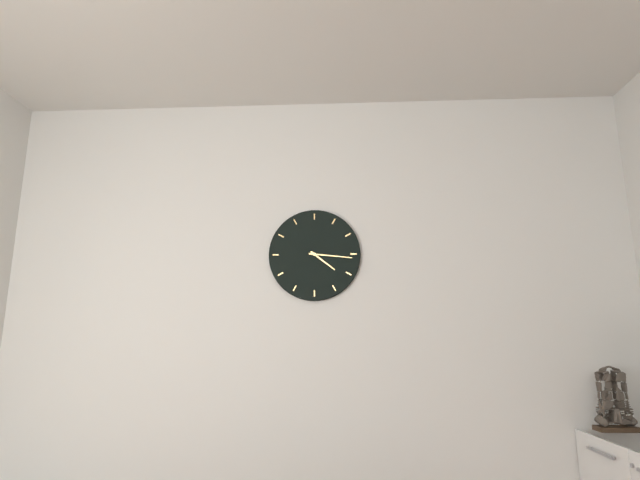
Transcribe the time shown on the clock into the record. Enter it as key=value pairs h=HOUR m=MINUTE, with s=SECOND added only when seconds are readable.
h=4 m=16
